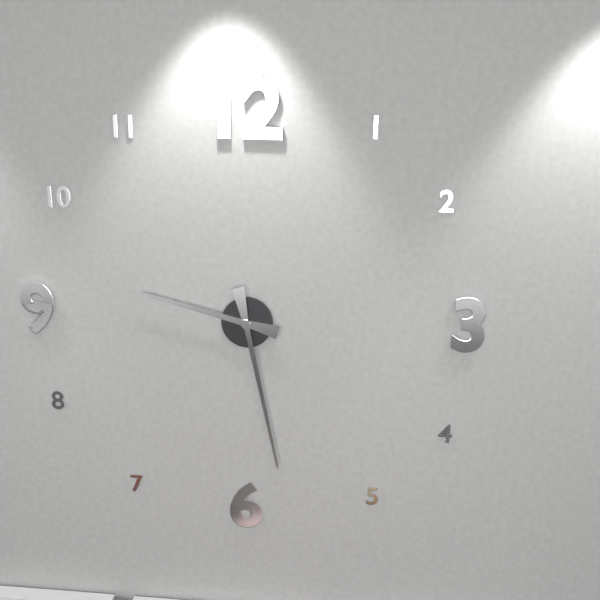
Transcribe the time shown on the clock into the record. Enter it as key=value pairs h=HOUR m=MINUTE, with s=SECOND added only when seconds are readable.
h=9 m=28
